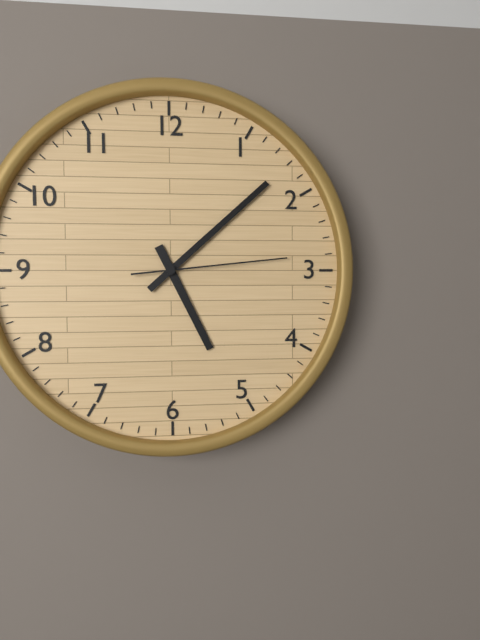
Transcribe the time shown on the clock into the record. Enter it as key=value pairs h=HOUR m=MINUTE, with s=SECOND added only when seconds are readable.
h=5 m=8 s=14
